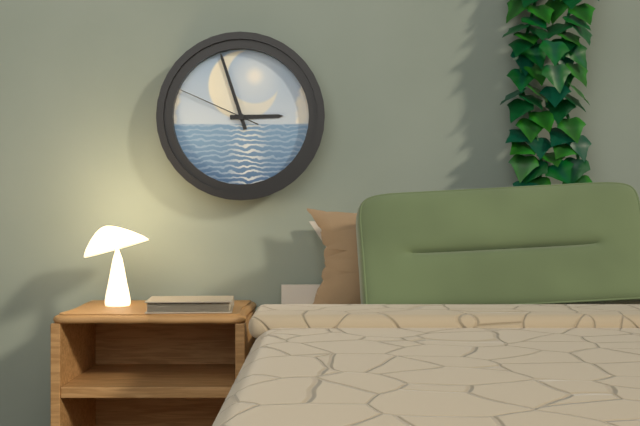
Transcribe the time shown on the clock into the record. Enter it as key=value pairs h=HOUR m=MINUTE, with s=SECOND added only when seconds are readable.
h=2 m=57 s=49
